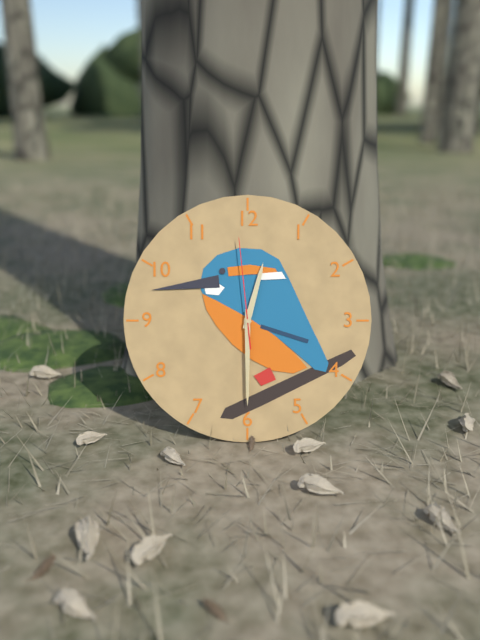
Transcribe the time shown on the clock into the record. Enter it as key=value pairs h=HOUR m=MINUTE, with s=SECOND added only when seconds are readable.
h=12 m=30 s=59
